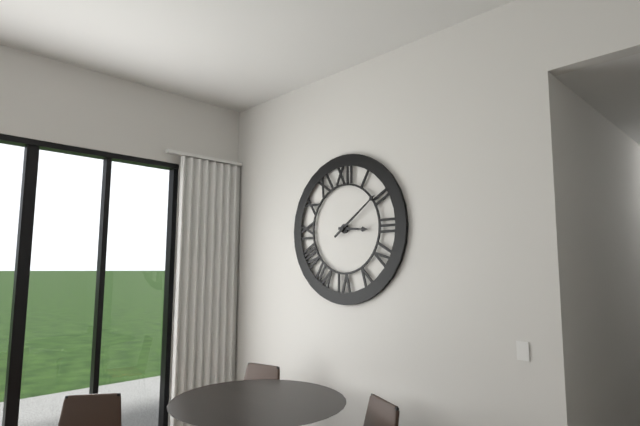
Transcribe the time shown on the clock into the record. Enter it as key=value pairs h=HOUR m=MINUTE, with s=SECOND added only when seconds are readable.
h=3 m=9
